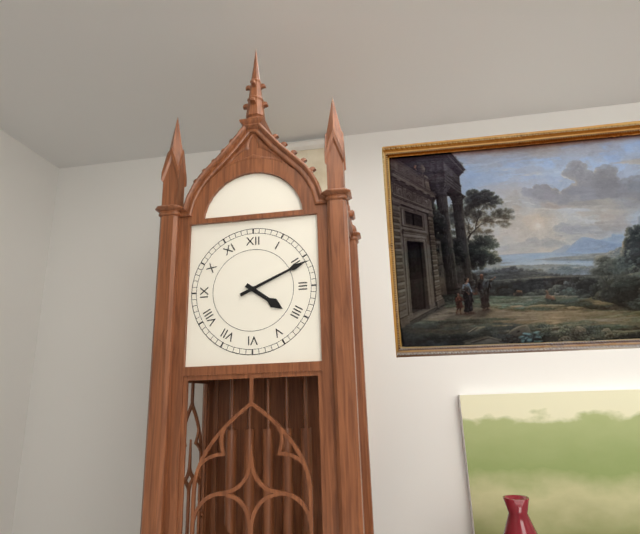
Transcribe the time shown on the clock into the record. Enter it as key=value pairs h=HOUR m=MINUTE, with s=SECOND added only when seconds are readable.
h=4 m=11
